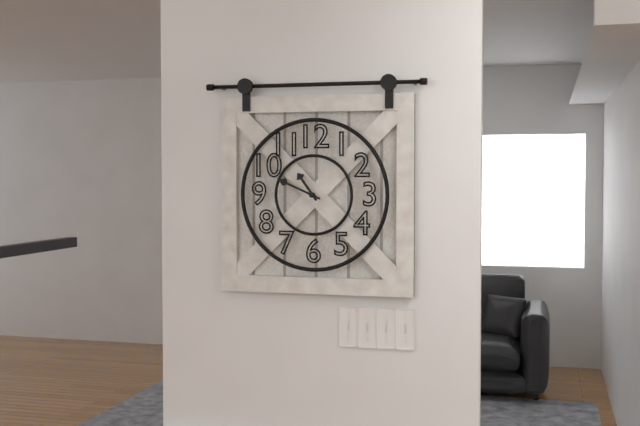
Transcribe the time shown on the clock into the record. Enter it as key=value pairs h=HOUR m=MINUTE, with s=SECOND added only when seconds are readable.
h=10 m=49
